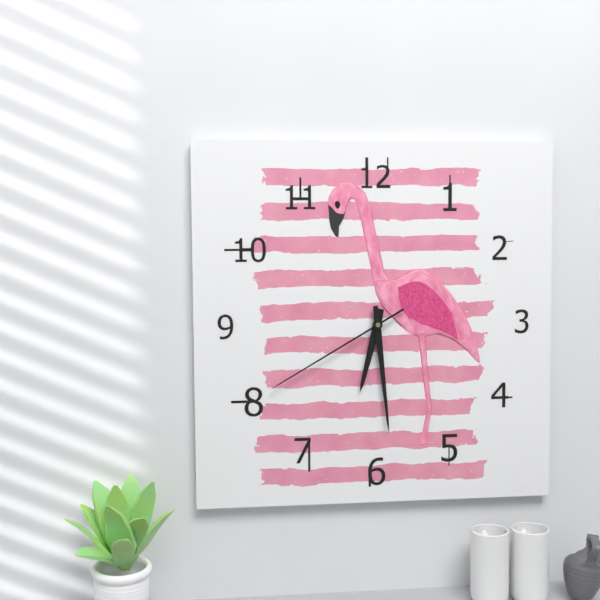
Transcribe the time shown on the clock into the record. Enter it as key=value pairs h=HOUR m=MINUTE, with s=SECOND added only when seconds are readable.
h=6 m=29 s=40
